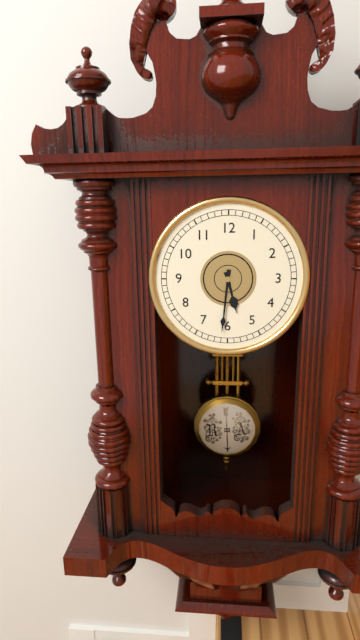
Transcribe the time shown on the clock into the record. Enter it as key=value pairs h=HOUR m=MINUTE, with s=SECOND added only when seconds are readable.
h=5 m=31
